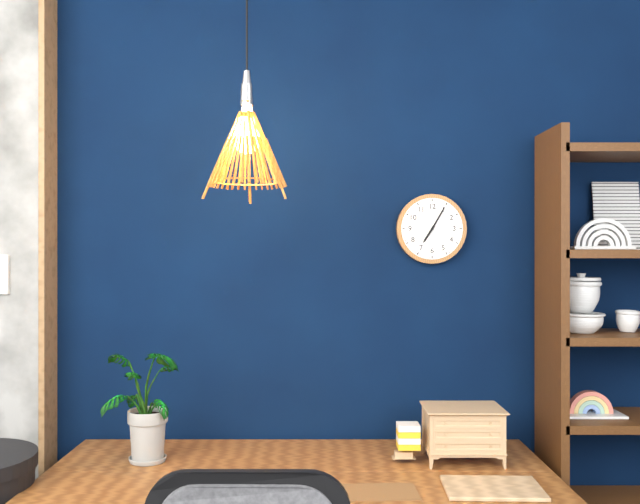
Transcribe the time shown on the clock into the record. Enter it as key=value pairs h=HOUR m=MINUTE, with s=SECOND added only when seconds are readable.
h=7 m=5
